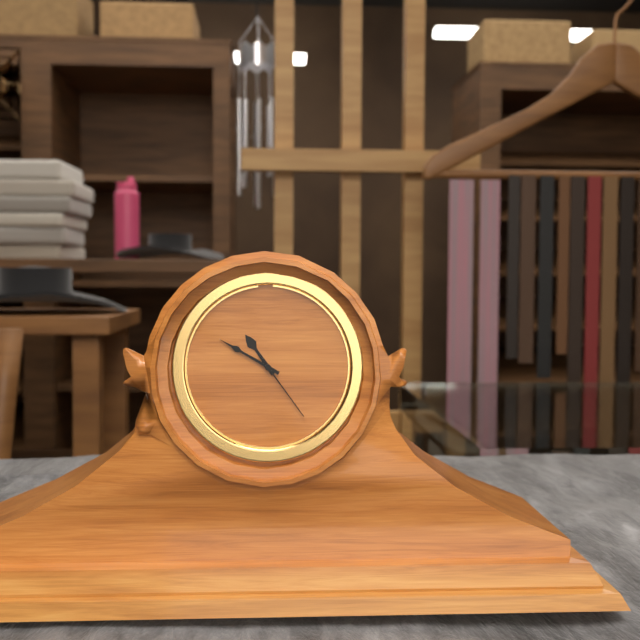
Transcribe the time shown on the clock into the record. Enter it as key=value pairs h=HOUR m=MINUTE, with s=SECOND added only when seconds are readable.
h=10 m=50 s=24
